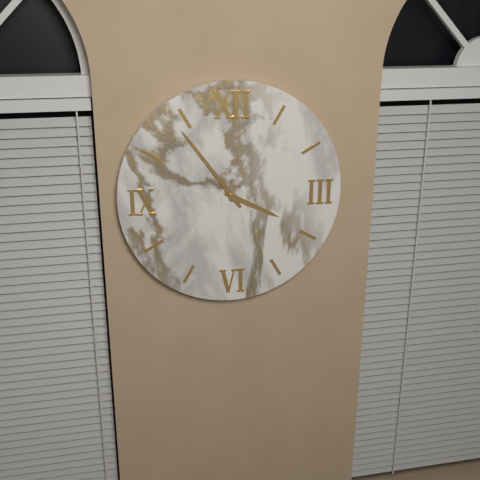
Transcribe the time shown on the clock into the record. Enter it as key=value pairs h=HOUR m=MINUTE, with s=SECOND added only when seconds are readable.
h=3 m=54
